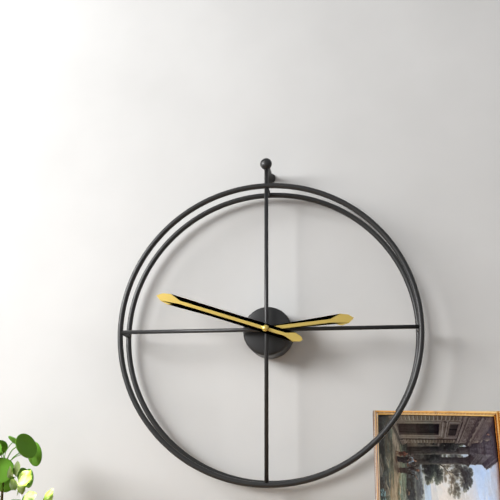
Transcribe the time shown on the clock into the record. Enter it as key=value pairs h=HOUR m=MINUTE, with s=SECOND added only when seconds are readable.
h=2 m=48
